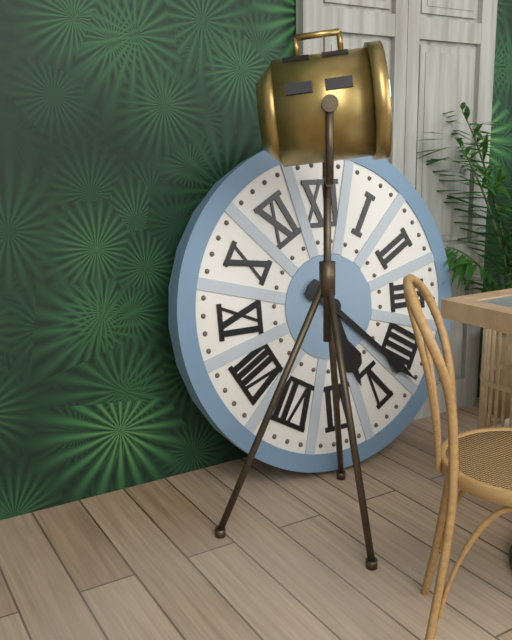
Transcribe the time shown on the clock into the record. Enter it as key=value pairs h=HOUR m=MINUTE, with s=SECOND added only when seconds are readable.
h=5 m=22
